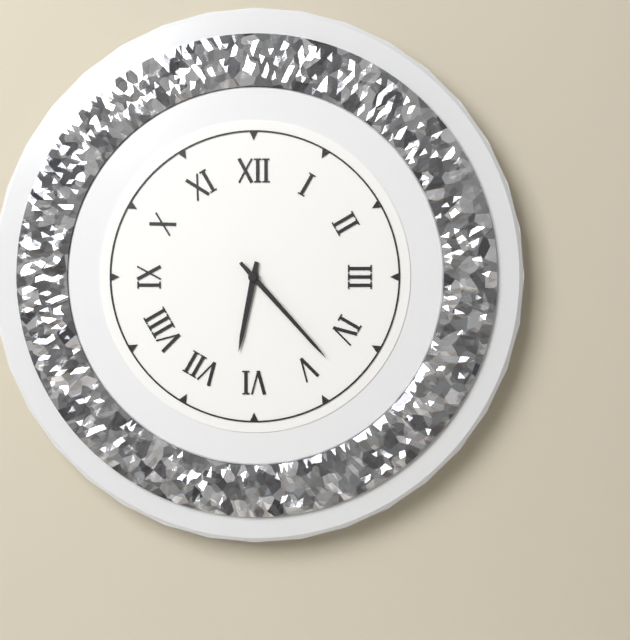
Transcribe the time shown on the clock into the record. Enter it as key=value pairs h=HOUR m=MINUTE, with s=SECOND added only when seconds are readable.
h=6 m=23
